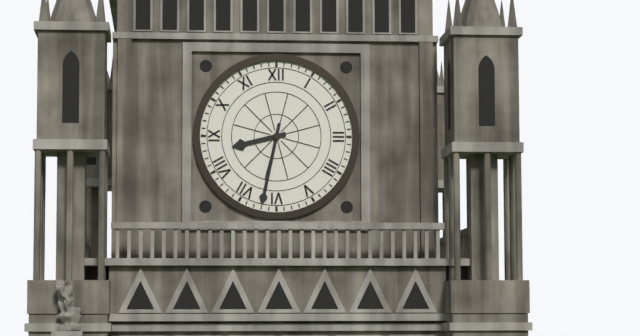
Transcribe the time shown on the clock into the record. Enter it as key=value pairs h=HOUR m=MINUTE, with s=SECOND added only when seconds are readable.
h=8 m=32
